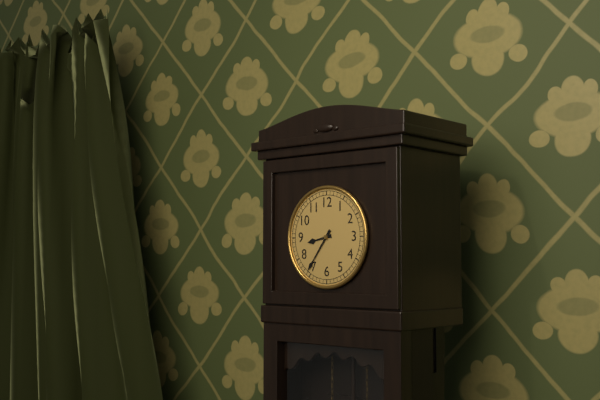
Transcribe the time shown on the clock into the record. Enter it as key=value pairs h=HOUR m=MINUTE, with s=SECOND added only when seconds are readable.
h=8 m=36
